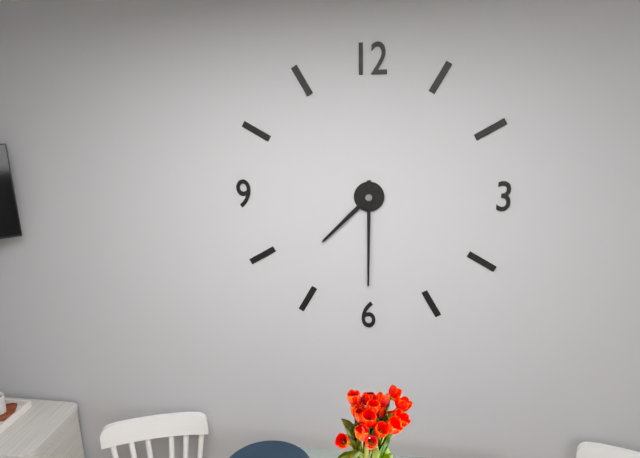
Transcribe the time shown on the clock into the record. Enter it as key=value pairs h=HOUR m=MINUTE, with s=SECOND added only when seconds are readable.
h=7 m=30
